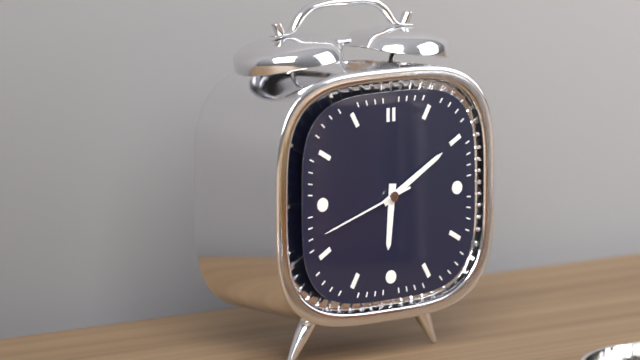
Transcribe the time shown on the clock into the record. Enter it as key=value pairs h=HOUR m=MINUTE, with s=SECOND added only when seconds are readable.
h=6 m=10 s=42
